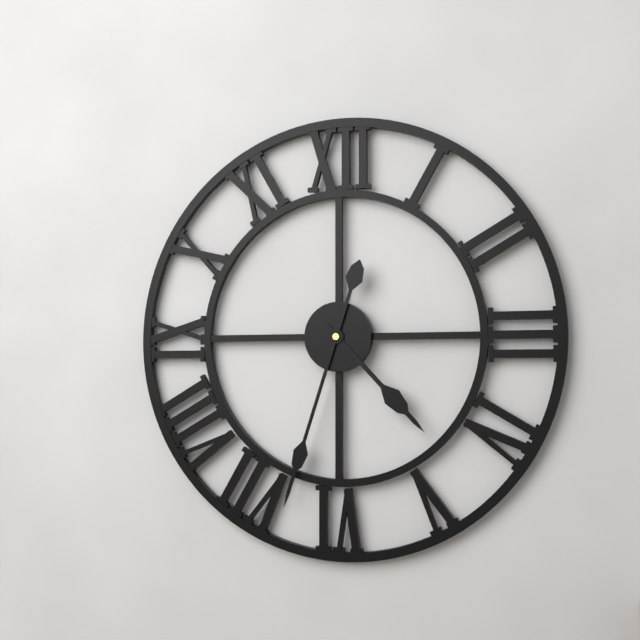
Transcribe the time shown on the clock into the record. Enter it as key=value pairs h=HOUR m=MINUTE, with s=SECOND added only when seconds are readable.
h=4 m=33
